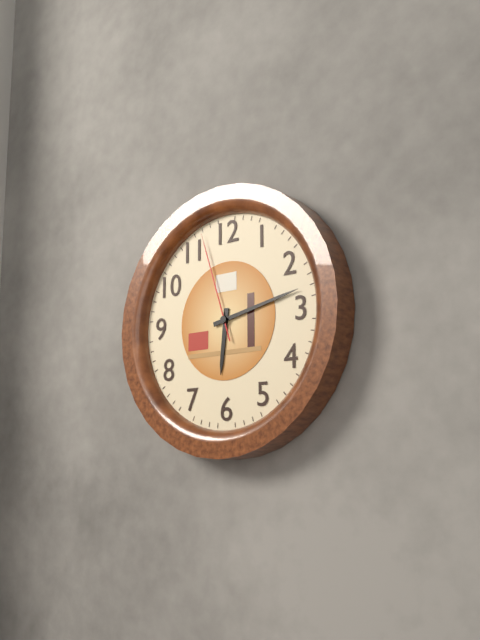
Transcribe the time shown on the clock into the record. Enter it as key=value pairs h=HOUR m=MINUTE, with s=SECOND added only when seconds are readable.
h=6 m=13 s=57
